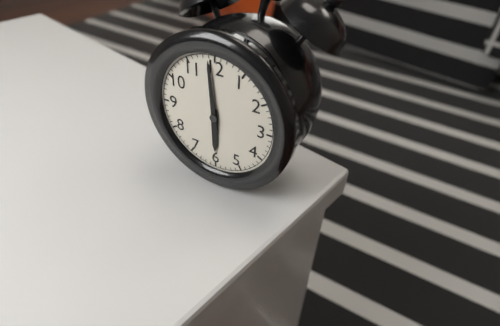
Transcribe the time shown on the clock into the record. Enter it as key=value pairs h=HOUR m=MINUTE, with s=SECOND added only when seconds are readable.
h=5 m=59
